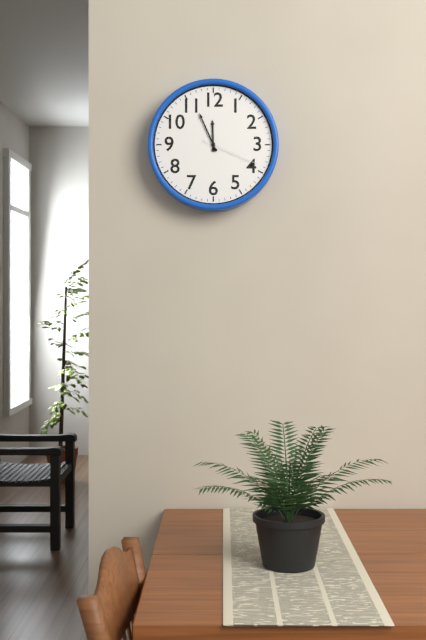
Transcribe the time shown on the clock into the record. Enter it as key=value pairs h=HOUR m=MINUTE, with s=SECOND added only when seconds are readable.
h=11 m=56 s=19
